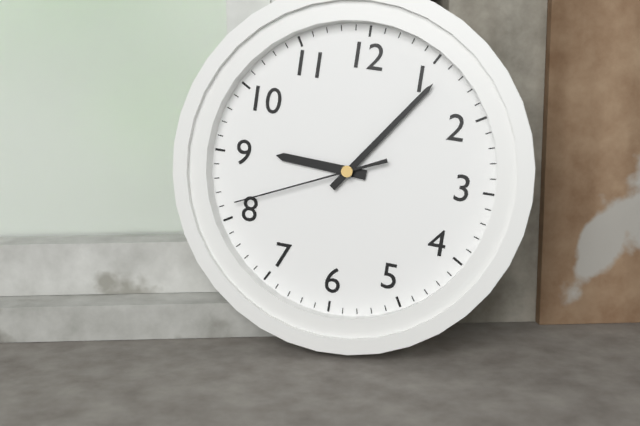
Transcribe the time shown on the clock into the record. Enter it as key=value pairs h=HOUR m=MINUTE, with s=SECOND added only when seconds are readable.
h=9 m=6 s=41
